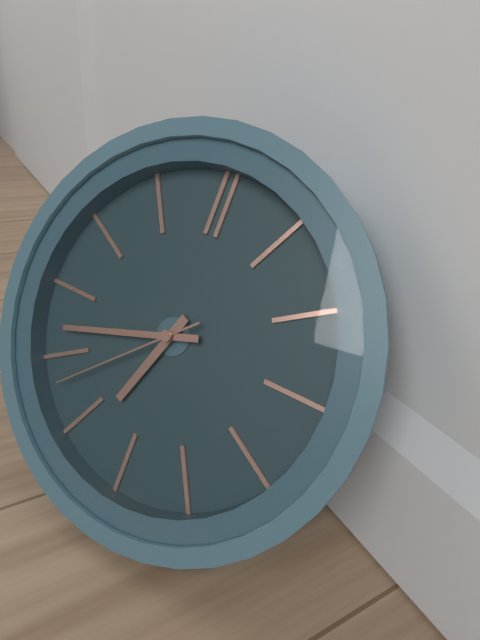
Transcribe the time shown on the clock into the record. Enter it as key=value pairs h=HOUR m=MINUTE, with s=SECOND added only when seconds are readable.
h=6 m=42 s=38
